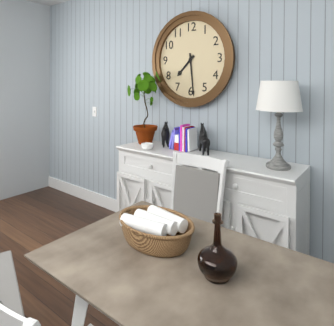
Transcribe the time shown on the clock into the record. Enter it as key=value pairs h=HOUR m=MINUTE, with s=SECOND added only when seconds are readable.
h=7 m=29
